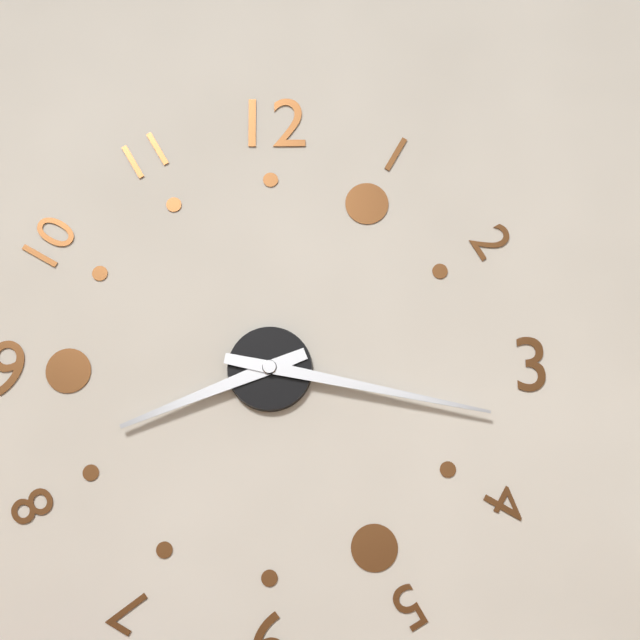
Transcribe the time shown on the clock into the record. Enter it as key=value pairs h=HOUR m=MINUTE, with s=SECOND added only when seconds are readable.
h=8 m=17
